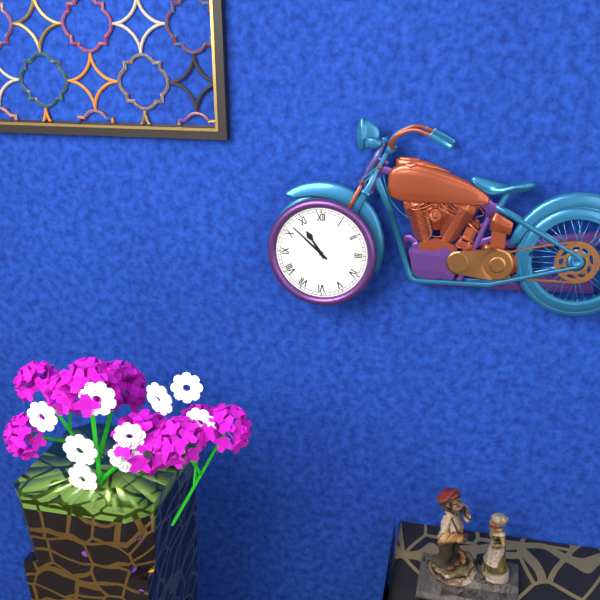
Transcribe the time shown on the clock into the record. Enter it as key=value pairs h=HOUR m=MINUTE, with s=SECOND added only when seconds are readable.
h=10 m=52
